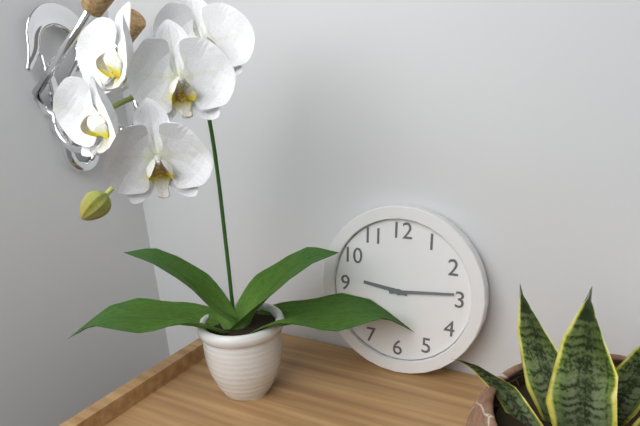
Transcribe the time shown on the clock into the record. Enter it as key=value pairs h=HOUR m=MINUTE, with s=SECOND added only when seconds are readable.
h=9 m=14
